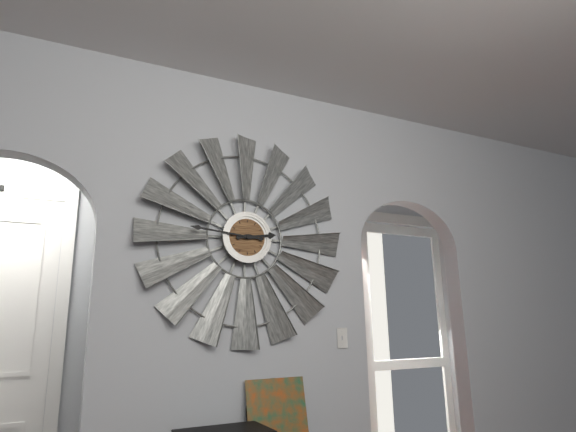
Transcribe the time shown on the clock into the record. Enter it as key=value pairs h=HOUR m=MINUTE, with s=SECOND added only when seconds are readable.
h=2 m=46
